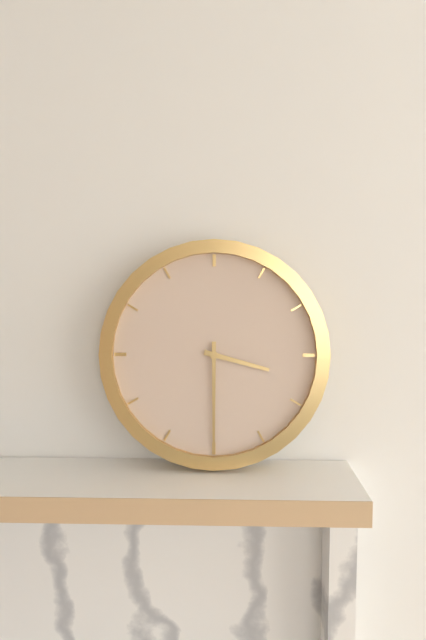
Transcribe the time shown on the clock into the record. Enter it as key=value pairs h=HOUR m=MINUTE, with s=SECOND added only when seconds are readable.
h=3 m=30
